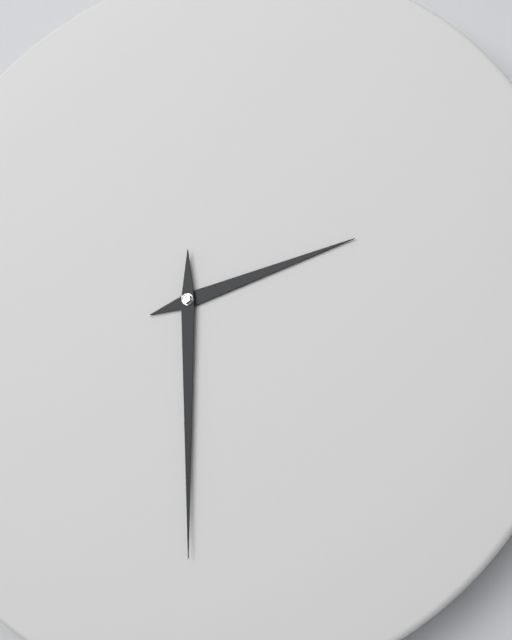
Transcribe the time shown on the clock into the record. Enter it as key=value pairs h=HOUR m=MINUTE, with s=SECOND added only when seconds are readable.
h=2 m=30
